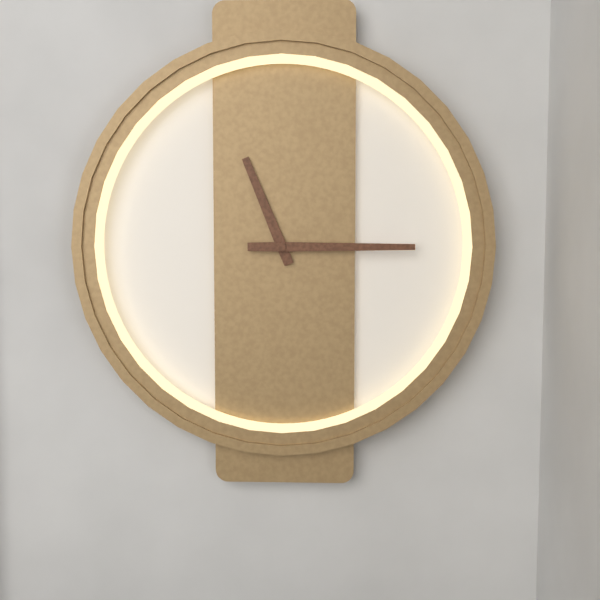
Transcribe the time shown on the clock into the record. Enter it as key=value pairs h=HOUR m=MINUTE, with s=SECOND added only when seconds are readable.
h=11 m=15
